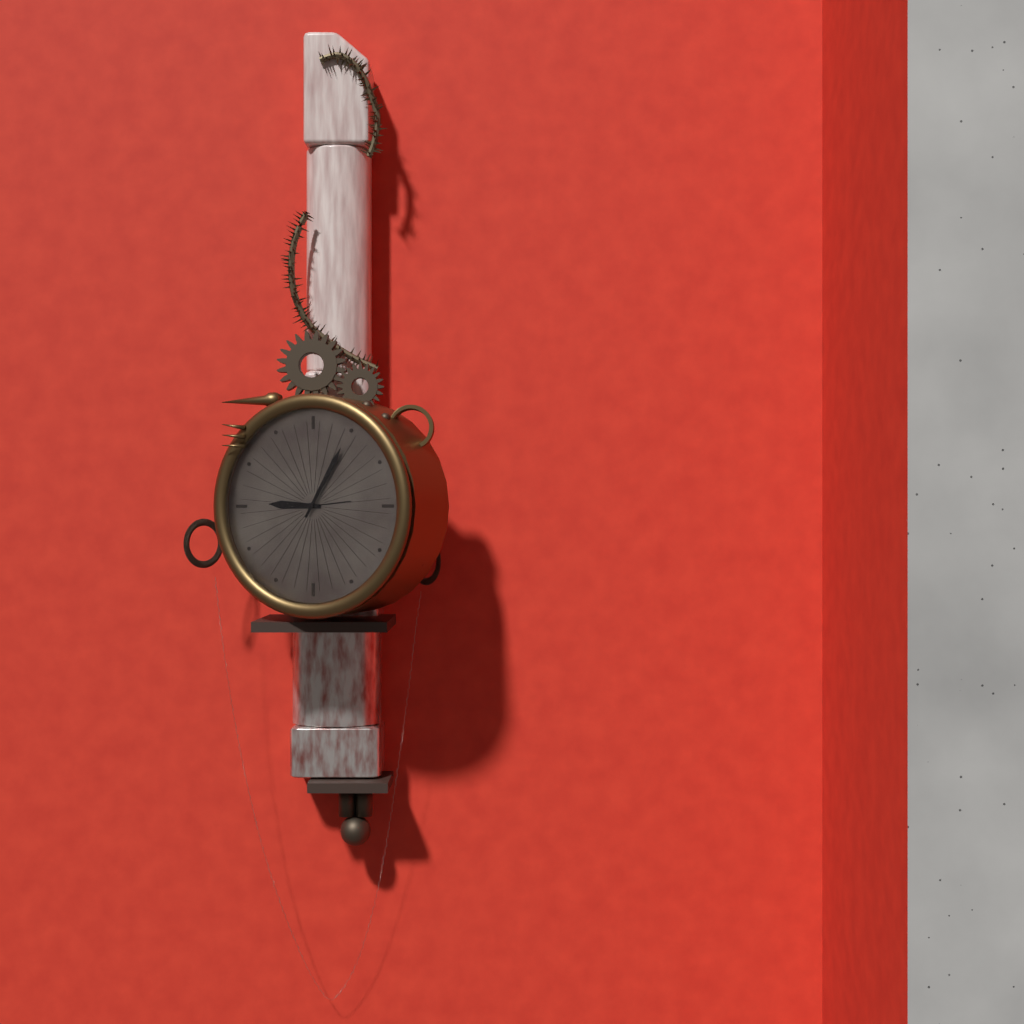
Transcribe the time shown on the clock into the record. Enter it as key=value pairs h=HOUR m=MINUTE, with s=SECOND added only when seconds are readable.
h=9 m=5 s=14
